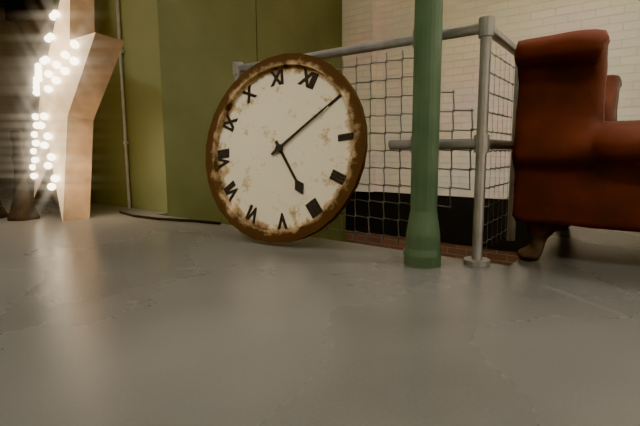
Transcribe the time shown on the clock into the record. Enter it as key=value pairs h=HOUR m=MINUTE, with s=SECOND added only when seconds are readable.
h=4 m=5
